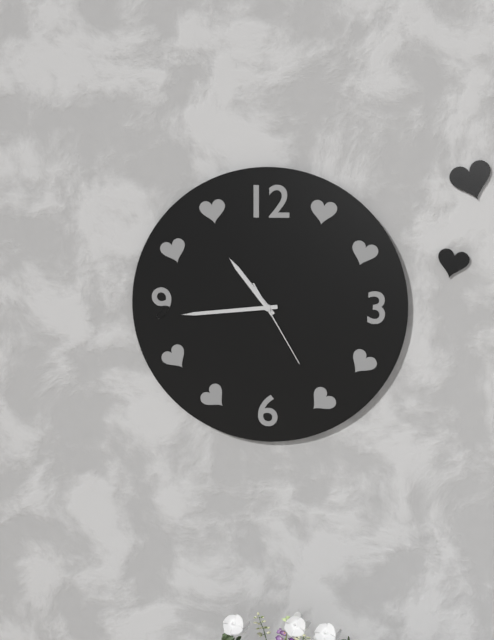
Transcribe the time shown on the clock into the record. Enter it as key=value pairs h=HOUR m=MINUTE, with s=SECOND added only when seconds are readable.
h=10 m=44 s=25
